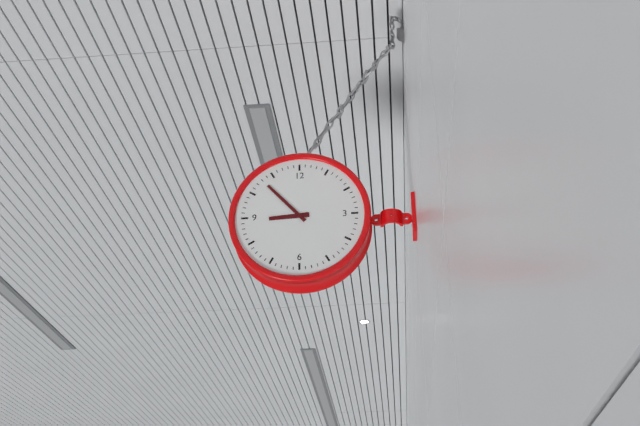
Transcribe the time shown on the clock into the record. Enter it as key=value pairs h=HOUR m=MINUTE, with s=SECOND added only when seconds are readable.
h=8 m=53
